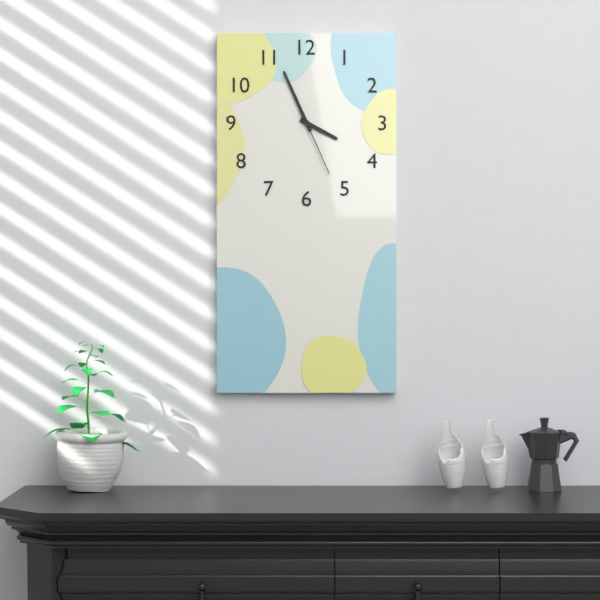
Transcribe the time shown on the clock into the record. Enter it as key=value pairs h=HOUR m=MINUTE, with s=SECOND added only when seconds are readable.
h=3 m=56 s=26
